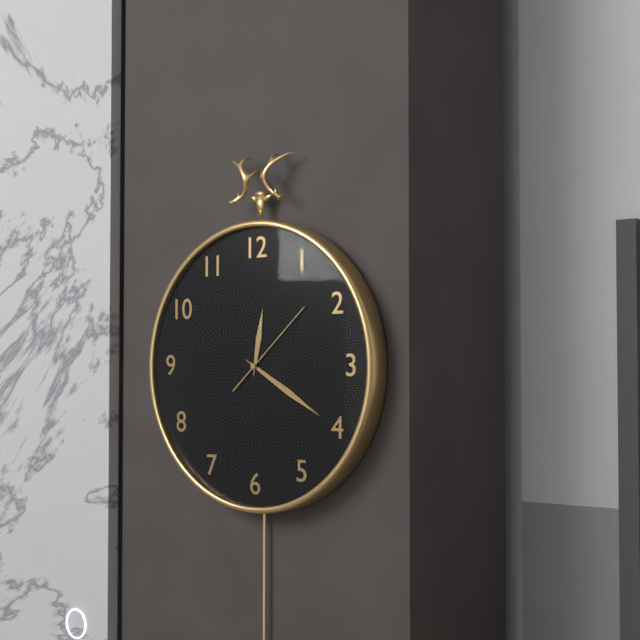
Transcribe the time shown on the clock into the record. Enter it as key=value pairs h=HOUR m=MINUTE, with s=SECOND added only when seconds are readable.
h=12 m=20 s=8
